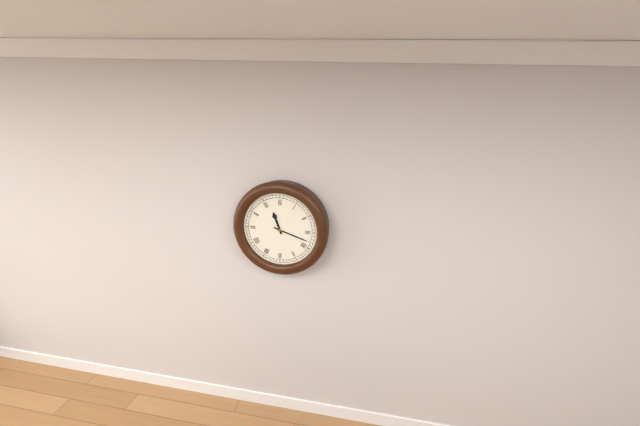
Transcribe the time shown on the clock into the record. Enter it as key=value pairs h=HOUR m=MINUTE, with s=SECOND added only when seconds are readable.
h=11 m=18
